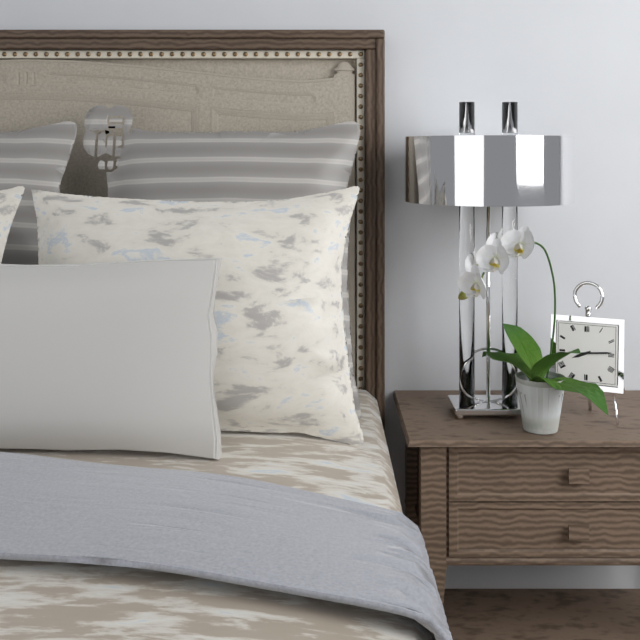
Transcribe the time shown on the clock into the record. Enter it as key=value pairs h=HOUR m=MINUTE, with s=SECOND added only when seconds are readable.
h=8 m=14
